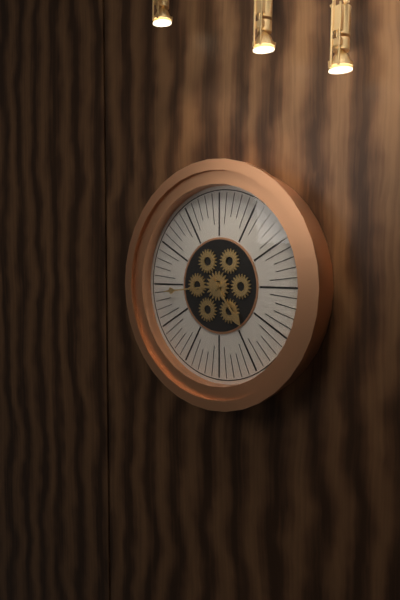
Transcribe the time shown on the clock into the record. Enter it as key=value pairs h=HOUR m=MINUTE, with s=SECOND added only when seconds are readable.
h=4 m=44
